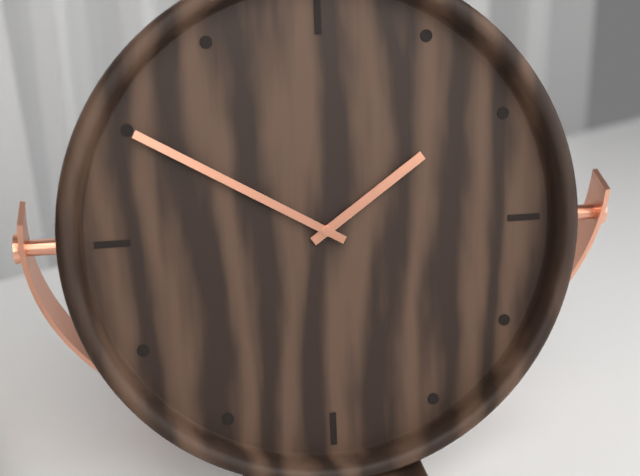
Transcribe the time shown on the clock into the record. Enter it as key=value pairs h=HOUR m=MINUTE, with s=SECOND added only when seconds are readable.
h=1 m=50
